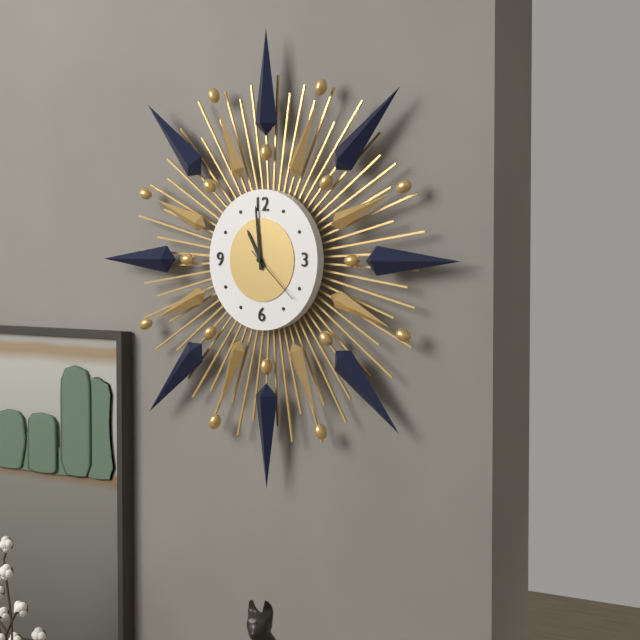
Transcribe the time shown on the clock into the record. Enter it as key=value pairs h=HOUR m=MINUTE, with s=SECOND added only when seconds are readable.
h=10 m=59 s=22
